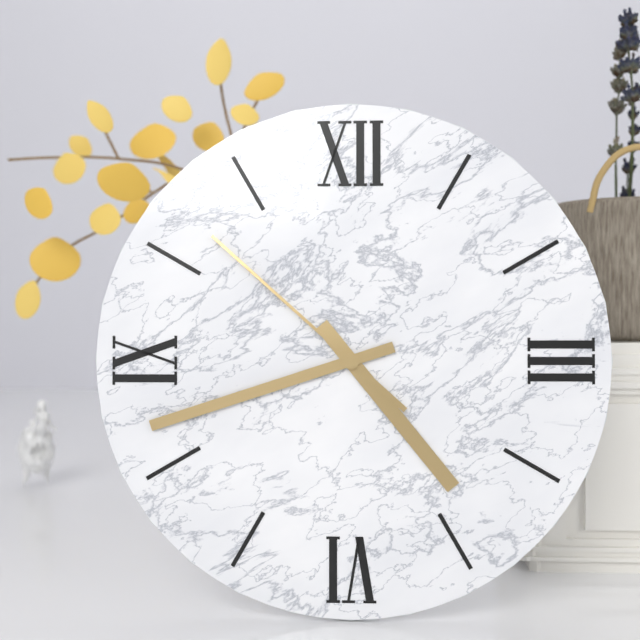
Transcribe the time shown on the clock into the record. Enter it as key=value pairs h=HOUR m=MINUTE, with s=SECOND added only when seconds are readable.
h=4 m=42 s=52
